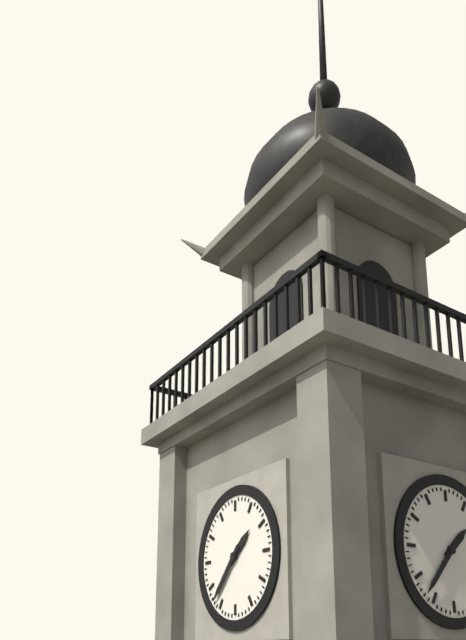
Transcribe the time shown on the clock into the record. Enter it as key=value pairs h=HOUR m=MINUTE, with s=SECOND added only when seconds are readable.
h=1 m=37
